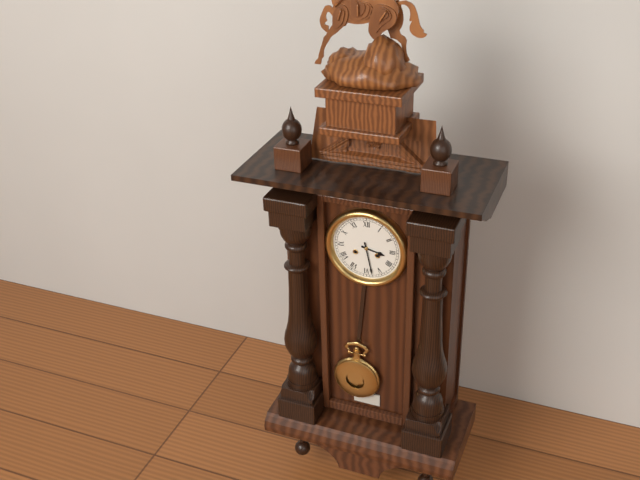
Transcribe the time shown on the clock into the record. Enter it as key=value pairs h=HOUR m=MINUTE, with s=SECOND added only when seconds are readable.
h=3 m=28
